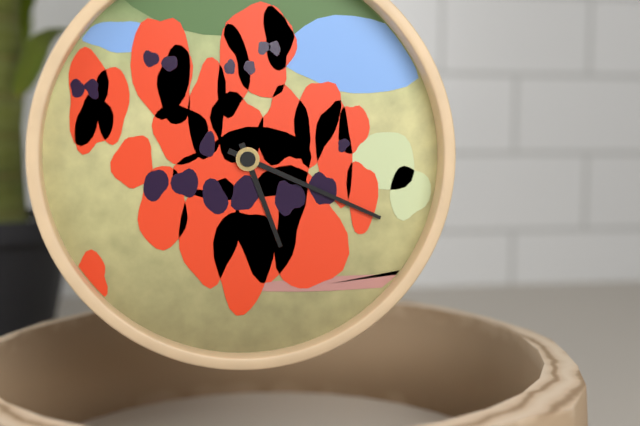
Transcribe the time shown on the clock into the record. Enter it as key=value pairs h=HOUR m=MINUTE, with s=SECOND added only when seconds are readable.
h=5 m=19
